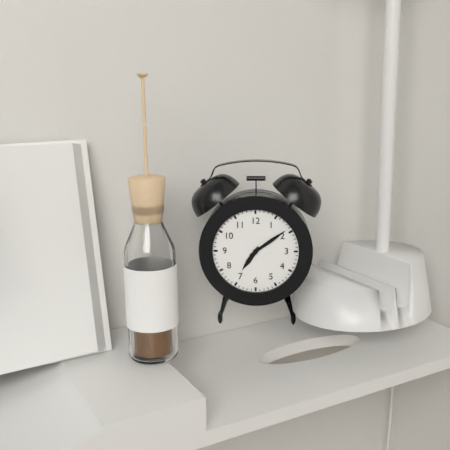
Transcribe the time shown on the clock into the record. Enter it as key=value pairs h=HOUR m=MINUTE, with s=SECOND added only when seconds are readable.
h=7 m=9
